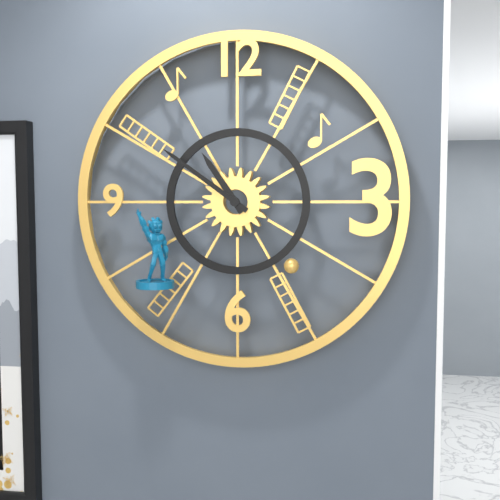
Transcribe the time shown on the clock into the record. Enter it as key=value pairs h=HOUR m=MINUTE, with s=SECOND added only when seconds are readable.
h=10 m=51
